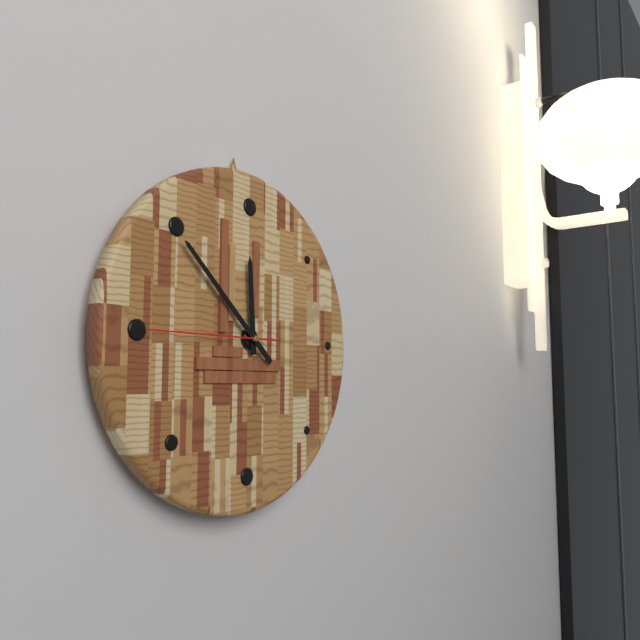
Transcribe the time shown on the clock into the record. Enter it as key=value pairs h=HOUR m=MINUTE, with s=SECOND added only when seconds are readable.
h=11 m=52 s=45
